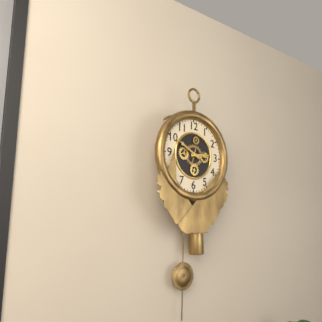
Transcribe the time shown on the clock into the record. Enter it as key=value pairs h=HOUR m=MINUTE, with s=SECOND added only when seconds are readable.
h=2 m=50
